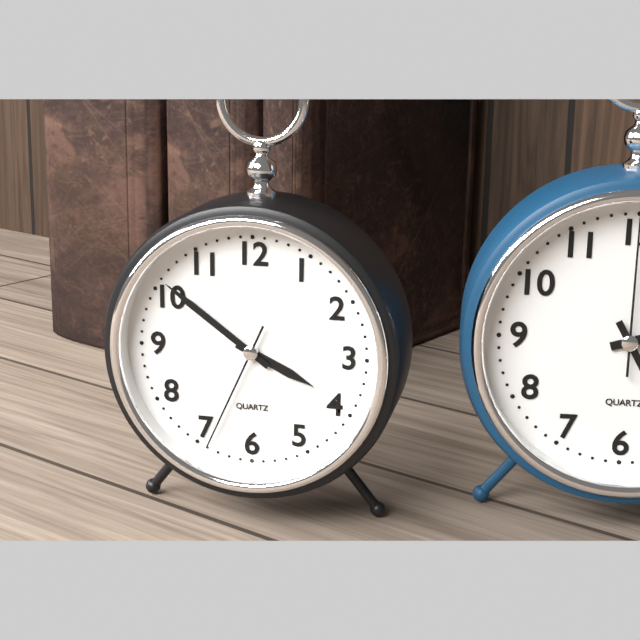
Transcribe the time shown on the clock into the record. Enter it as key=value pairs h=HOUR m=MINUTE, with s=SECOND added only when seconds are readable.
h=3 m=51 s=34
